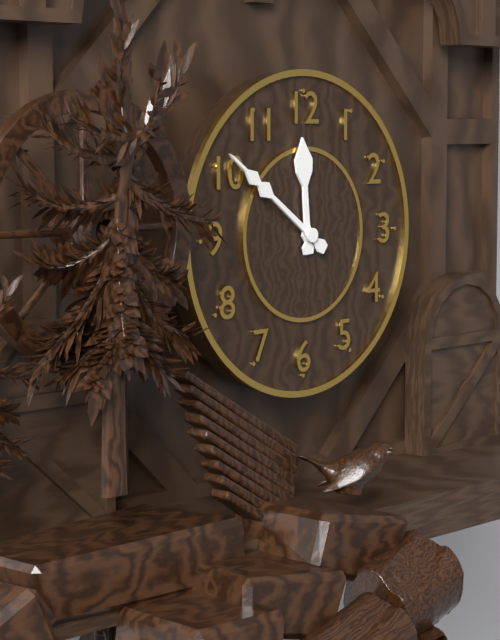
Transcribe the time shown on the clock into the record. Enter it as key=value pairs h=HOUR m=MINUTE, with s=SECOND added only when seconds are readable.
h=11 m=51
